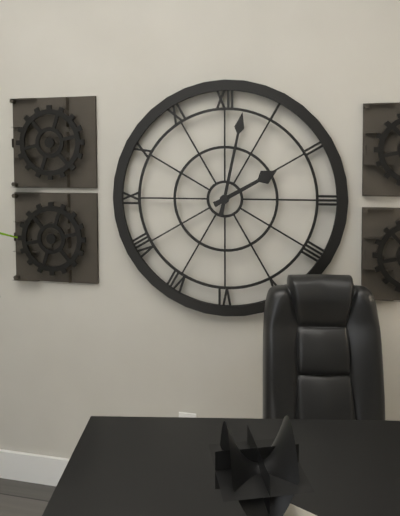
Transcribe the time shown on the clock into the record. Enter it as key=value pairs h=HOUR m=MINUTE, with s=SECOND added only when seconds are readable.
h=2 m=2
